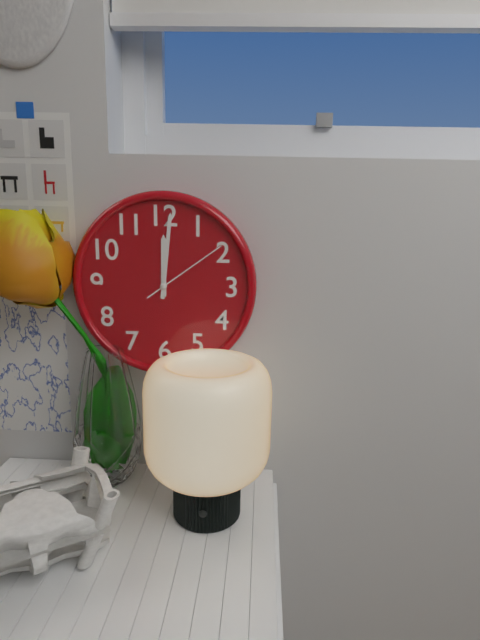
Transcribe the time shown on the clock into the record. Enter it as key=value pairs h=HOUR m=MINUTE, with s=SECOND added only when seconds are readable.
h=12 m=1 s=9
